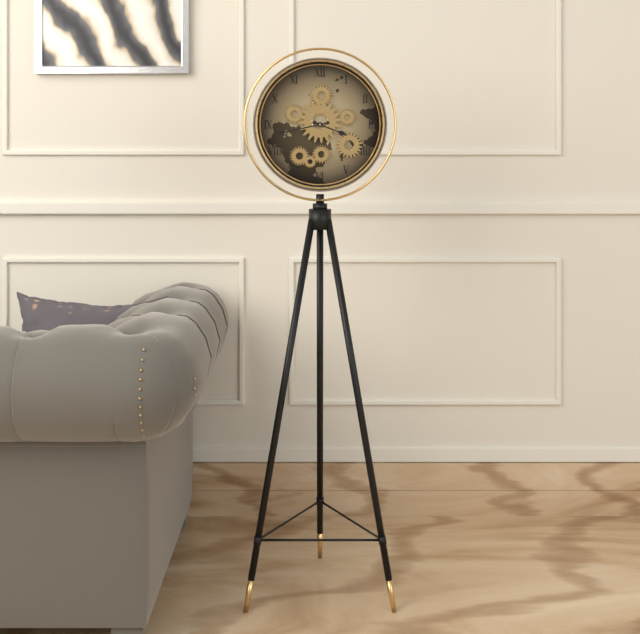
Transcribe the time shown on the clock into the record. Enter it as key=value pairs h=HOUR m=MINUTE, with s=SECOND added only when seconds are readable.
h=3 m=43
